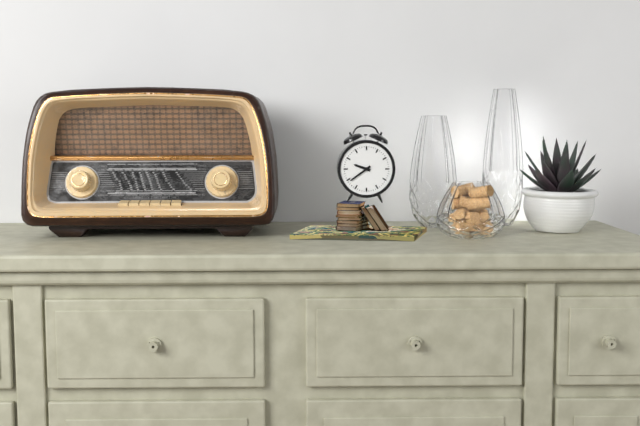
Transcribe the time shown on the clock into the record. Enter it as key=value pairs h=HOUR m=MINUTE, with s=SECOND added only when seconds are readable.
h=9 m=39
